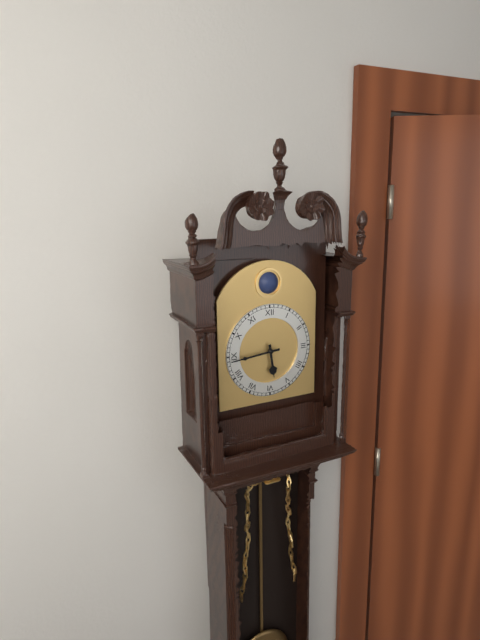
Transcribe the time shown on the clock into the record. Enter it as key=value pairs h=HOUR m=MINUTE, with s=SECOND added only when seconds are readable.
h=5 m=44
